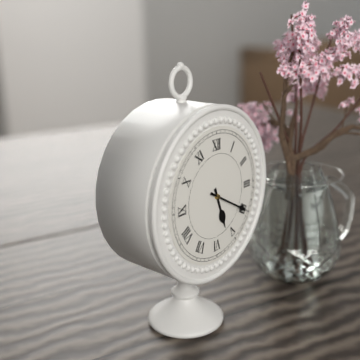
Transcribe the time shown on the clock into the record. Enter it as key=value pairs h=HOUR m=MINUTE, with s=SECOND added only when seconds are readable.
h=5 m=20
